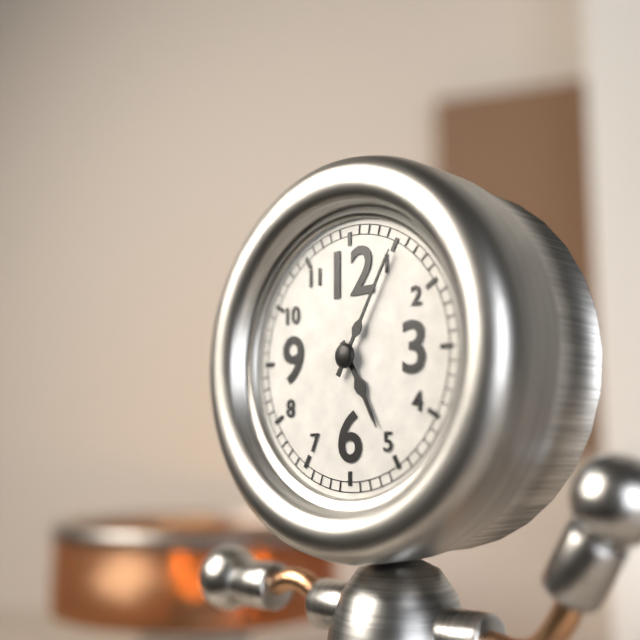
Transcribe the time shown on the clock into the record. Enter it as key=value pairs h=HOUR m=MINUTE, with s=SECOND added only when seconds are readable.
h=5 m=5
